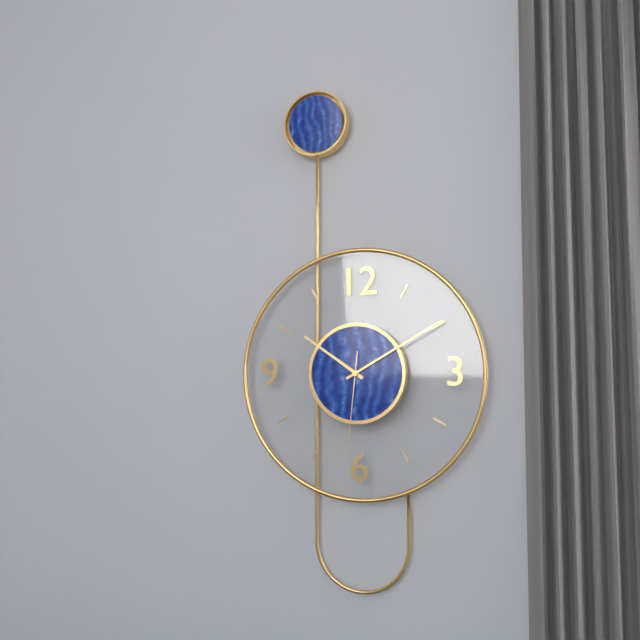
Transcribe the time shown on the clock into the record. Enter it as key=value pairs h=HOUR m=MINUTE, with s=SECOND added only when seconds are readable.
h=10 m=10 s=31
